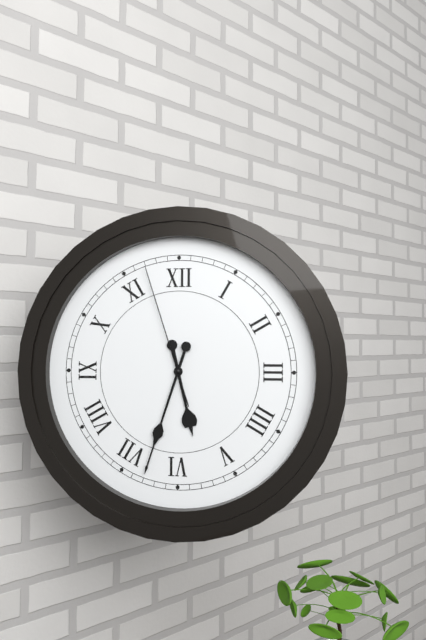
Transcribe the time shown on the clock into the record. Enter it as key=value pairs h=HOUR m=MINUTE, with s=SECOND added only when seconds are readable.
h=5 m=33 s=57
